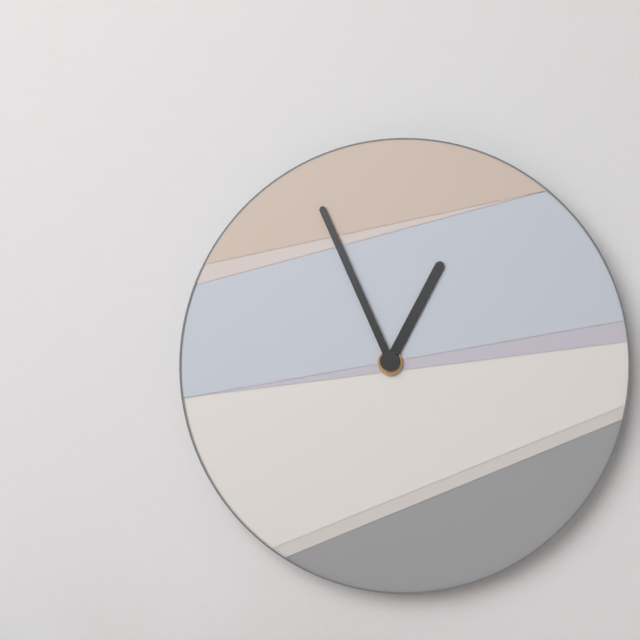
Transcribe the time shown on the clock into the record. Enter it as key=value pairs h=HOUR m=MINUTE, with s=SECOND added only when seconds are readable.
h=12 m=56
